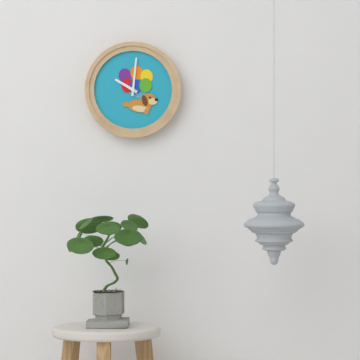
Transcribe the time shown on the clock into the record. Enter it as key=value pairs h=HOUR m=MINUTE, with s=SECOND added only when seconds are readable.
h=10 m=1
